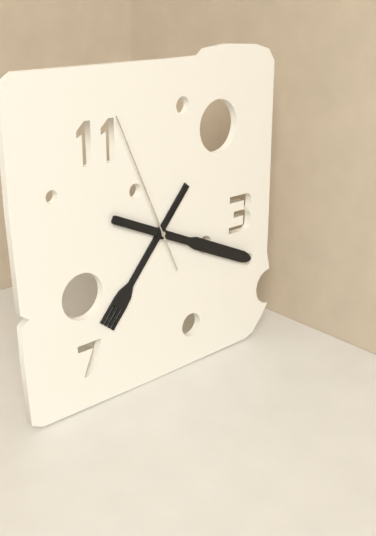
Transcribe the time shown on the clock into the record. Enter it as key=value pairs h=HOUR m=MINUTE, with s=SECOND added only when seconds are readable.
h=7 m=19 s=56
